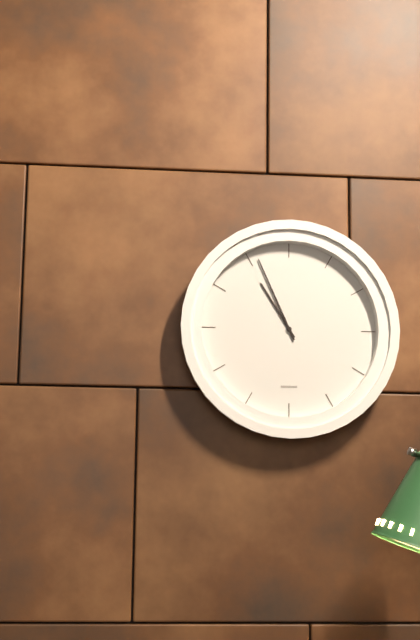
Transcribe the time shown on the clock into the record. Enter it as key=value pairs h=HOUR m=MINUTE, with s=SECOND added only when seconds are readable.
h=10 m=56
